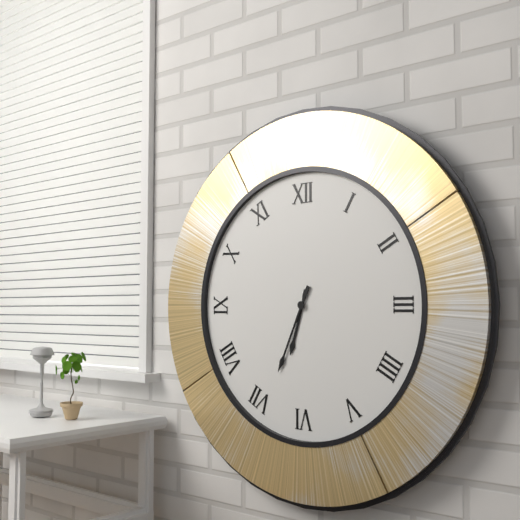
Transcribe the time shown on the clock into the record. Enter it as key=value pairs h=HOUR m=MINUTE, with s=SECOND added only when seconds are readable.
h=6 m=34
